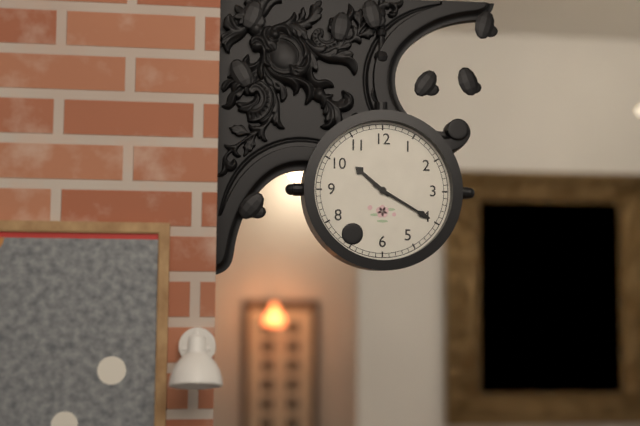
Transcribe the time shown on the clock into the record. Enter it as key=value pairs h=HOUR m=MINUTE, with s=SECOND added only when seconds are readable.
h=10 m=20
